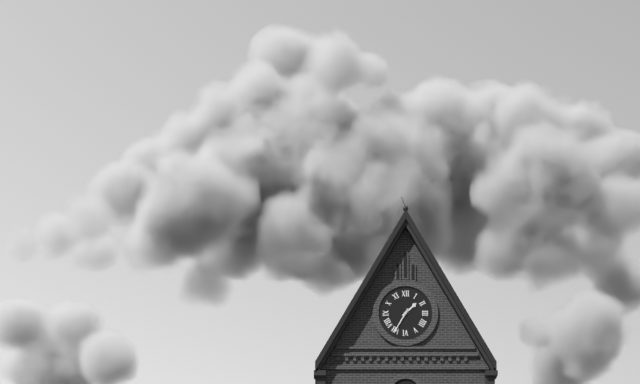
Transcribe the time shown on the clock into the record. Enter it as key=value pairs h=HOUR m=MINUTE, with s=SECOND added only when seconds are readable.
h=1 m=35
